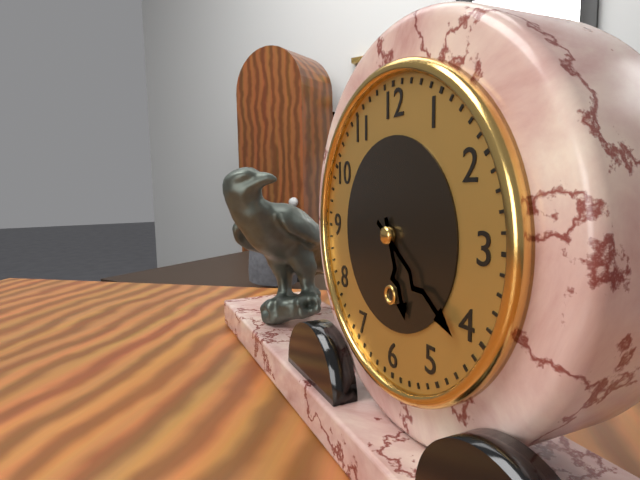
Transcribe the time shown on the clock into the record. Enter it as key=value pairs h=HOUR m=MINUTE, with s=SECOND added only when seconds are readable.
h=5 m=21
